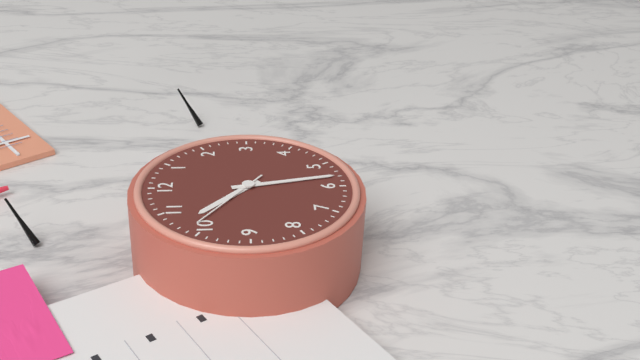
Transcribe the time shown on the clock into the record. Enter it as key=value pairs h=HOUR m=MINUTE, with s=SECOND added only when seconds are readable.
h=10 m=28 s=51
